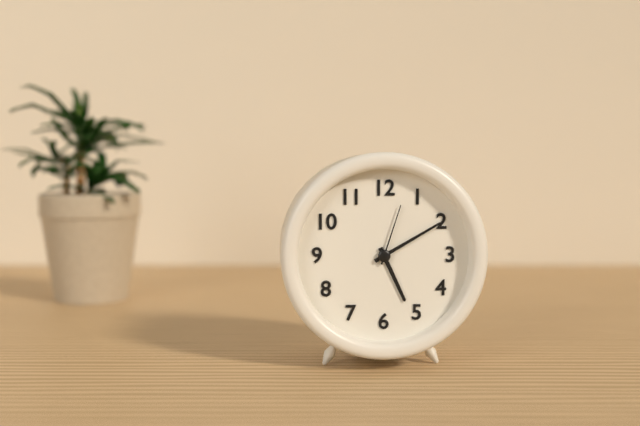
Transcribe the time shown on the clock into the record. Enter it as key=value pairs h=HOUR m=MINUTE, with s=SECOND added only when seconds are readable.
h=5 m=10 s=3
